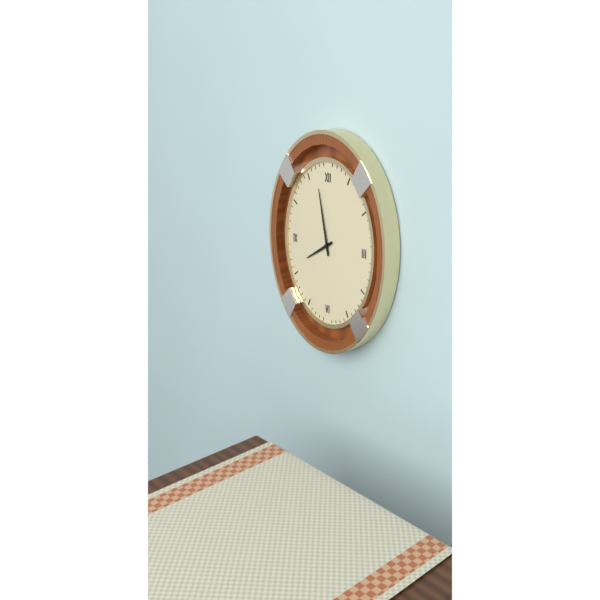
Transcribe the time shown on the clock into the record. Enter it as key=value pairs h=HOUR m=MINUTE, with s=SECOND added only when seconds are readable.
h=7 m=58
